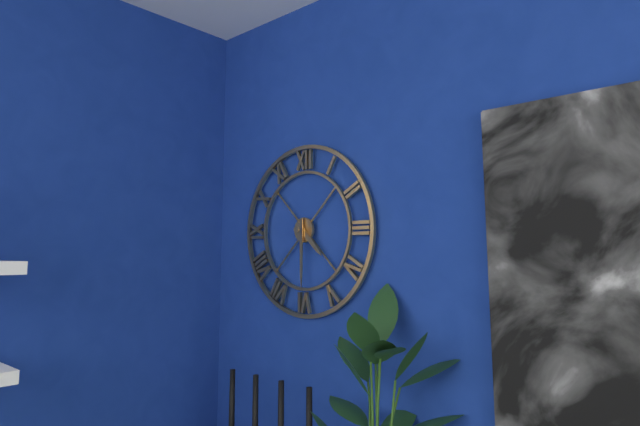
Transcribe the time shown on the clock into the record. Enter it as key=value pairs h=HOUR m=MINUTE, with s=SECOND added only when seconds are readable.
h=4 m=30
